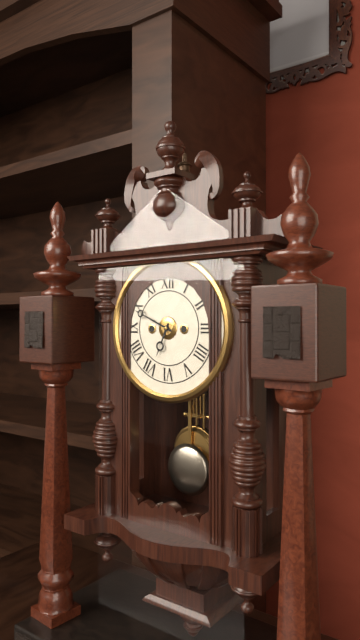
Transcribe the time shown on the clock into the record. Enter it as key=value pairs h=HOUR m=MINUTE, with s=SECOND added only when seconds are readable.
h=6 m=49
